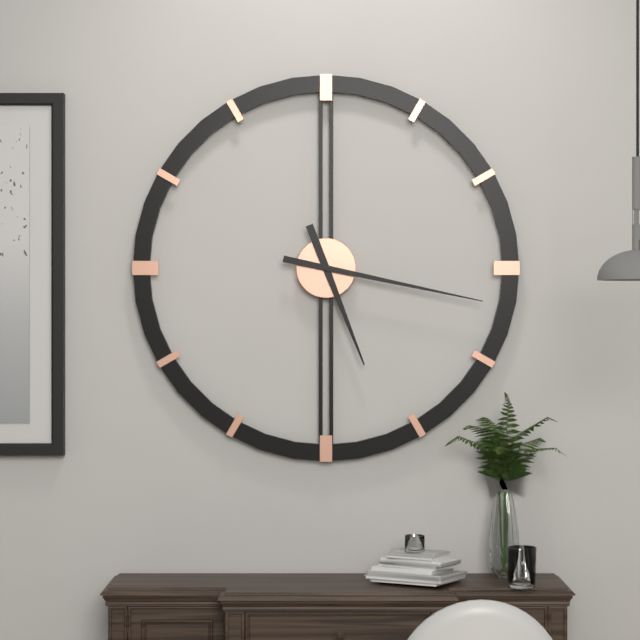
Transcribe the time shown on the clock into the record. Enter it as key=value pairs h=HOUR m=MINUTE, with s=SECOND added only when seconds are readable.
h=5 m=17
